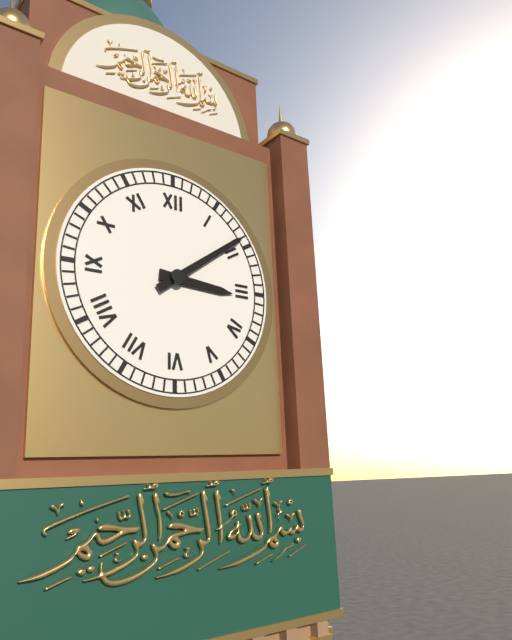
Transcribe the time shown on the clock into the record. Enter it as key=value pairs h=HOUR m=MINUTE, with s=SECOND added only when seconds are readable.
h=3 m=9
